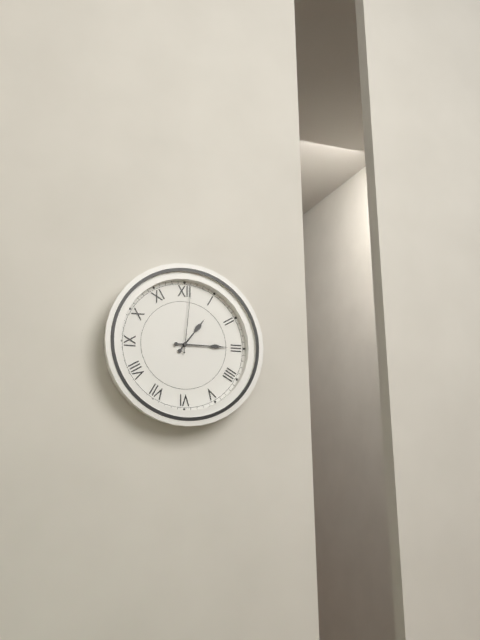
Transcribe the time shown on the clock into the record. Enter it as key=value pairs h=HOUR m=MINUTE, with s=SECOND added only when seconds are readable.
h=1 m=15 s=1
